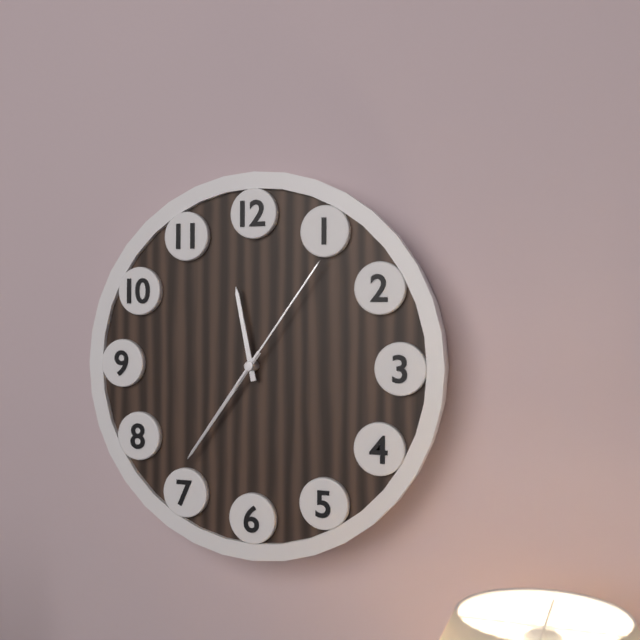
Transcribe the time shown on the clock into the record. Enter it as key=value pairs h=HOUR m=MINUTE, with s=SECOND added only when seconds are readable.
h=11 m=36 s=6
